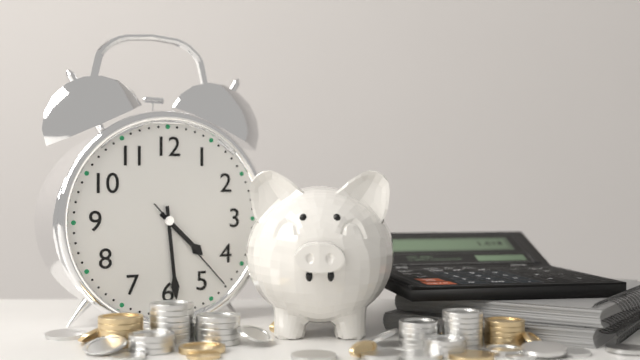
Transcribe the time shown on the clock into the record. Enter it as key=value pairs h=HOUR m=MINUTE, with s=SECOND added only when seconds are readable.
h=4 m=29 s=23
